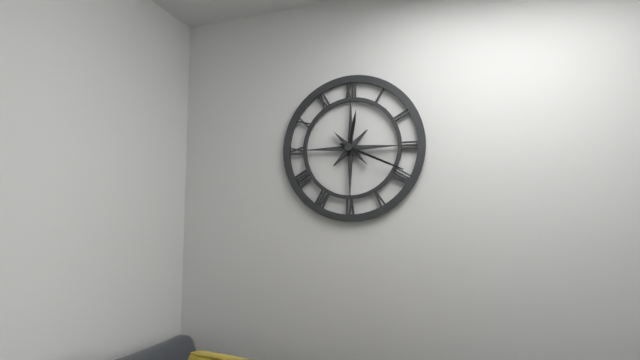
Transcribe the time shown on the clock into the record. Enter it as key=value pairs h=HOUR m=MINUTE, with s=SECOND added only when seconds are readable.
h=12 m=19
